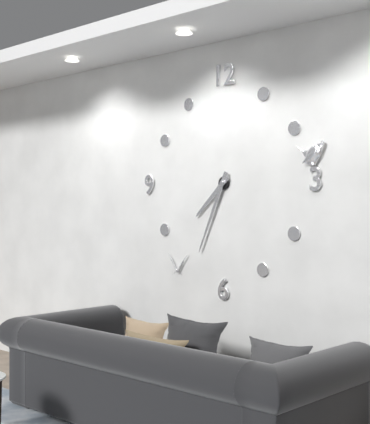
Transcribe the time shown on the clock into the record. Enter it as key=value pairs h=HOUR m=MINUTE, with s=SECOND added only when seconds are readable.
h=7 m=34
